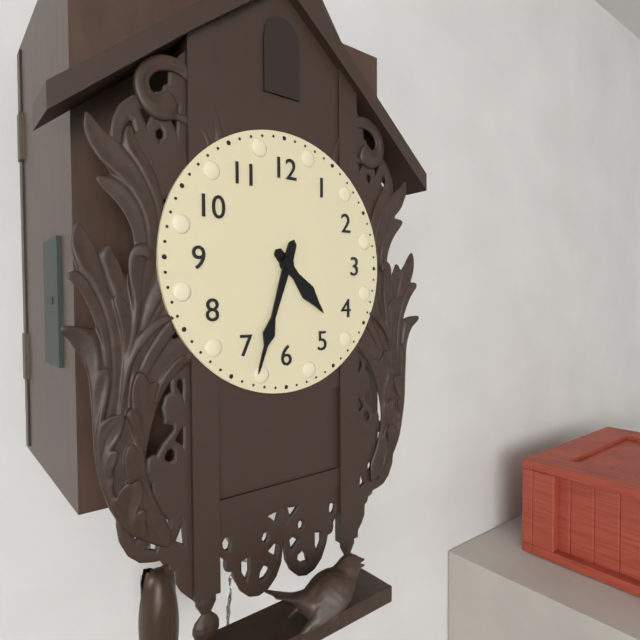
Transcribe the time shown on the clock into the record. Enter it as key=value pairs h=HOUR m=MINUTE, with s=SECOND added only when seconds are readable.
h=4 m=33
